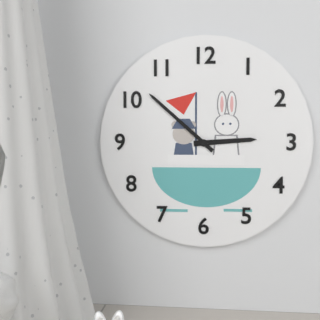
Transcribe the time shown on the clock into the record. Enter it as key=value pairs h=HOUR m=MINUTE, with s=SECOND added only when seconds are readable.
h=2 m=52
